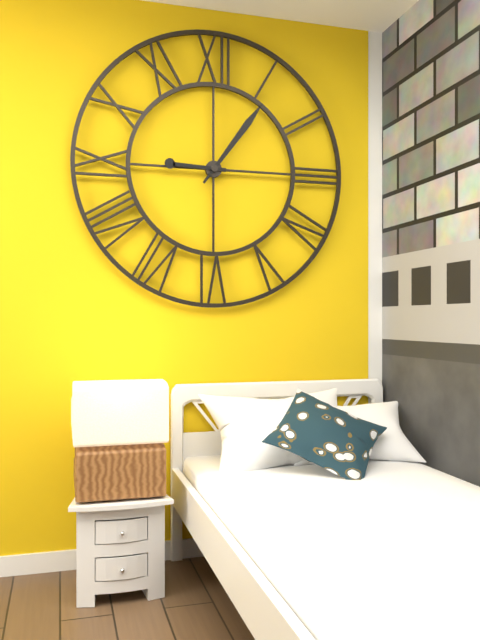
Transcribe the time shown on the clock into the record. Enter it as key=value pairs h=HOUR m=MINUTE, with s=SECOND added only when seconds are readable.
h=9 m=6
